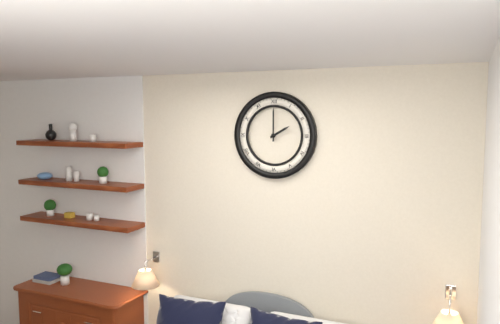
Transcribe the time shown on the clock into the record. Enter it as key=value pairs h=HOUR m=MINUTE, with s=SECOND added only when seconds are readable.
h=2 m=0
